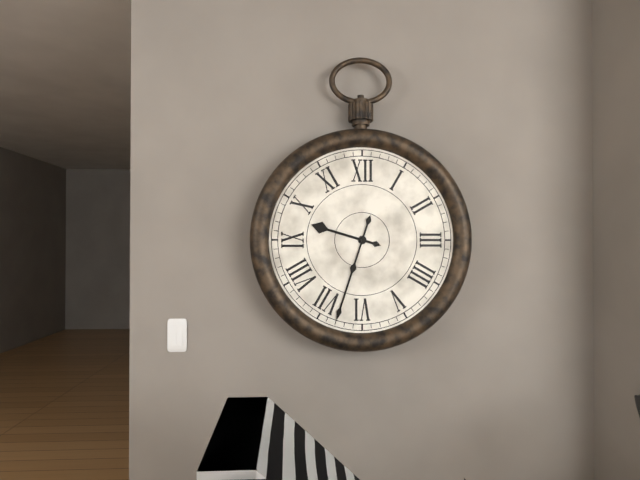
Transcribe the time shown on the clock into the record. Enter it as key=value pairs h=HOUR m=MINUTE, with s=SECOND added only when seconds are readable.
h=9 m=33
